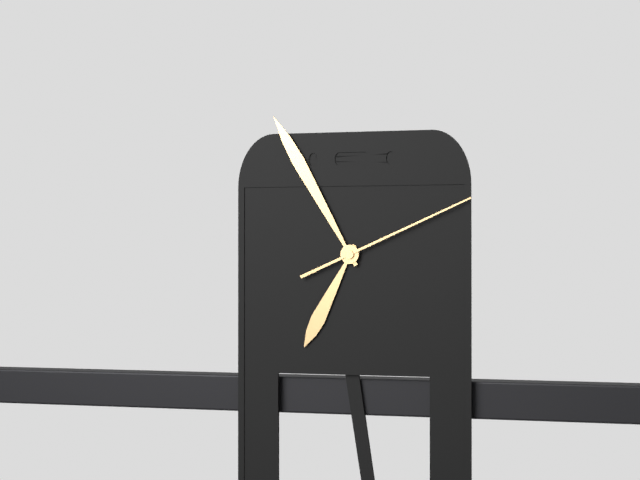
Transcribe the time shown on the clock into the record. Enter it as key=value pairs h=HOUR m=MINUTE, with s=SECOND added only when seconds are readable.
h=6 m=55 s=11
